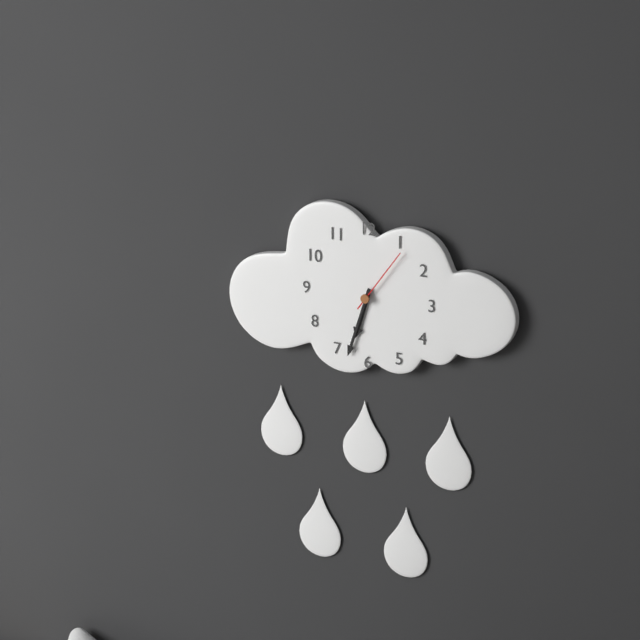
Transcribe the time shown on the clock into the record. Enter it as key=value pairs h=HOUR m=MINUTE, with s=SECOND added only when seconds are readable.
h=6 m=33 s=6
